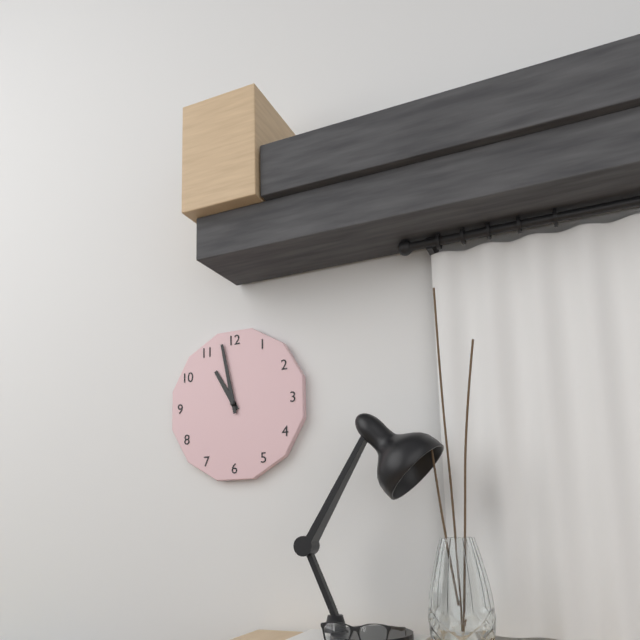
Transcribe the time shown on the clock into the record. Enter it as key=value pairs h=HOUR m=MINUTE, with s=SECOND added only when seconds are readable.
h=10 m=58
